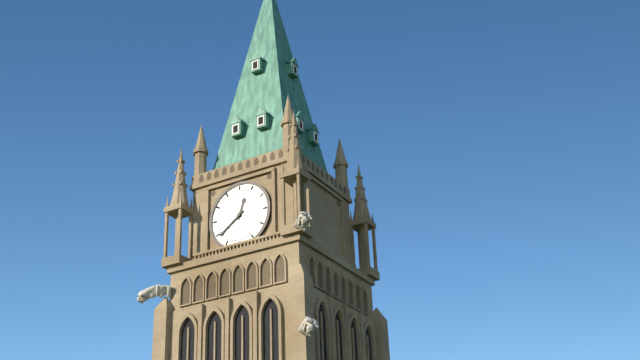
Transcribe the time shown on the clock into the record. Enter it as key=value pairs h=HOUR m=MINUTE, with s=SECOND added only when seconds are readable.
h=12 m=39
